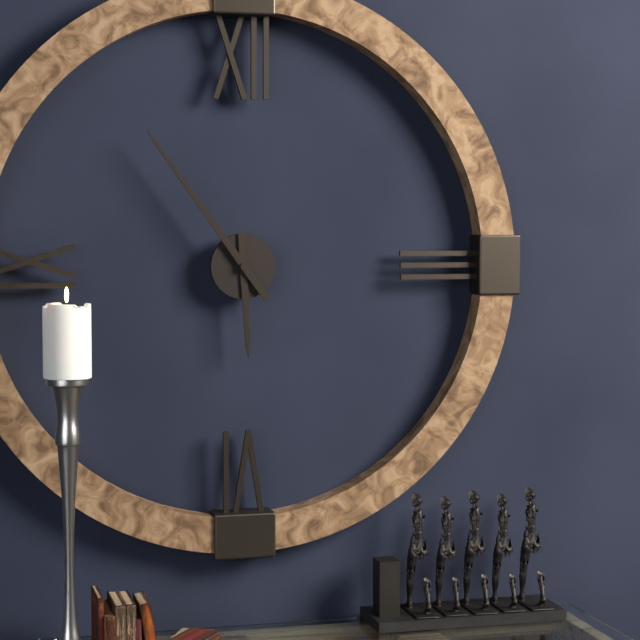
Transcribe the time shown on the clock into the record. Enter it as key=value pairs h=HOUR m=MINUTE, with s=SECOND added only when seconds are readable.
h=5 m=54
